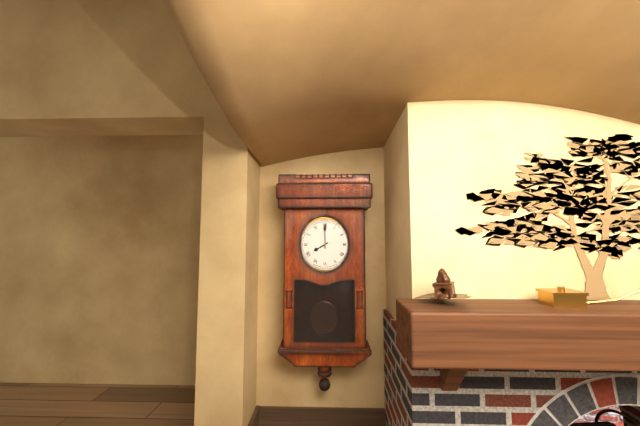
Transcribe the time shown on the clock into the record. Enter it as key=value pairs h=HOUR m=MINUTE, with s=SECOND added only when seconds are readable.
h=8 m=0
